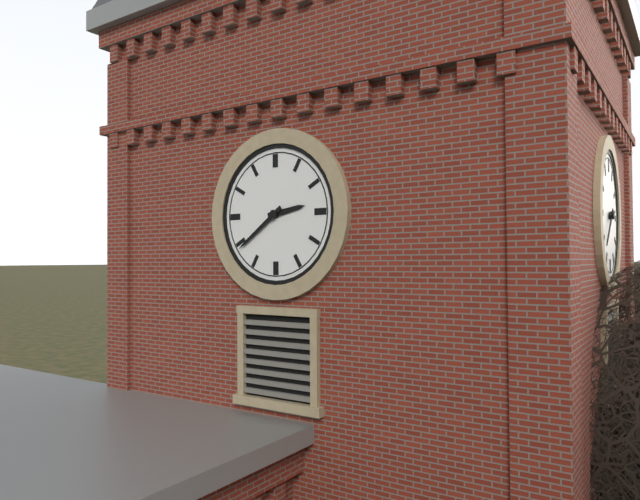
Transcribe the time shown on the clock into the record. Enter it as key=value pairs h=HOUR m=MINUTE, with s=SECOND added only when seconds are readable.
h=2 m=39
